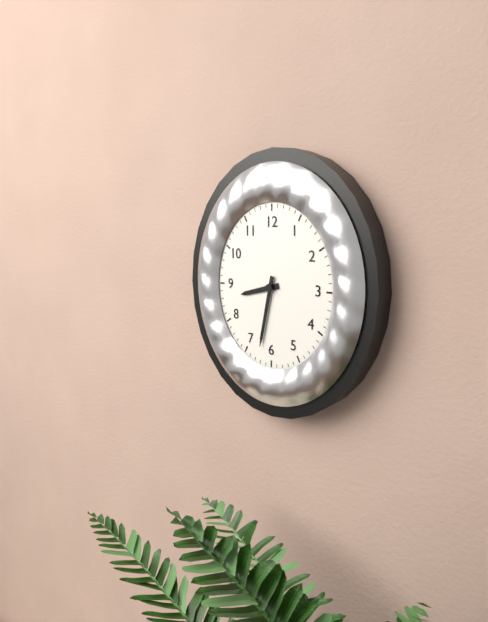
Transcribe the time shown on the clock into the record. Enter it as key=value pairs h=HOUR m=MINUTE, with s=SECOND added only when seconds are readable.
h=8 m=32
